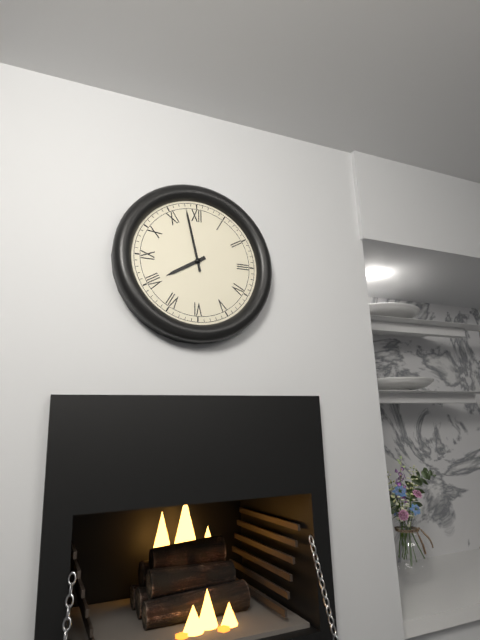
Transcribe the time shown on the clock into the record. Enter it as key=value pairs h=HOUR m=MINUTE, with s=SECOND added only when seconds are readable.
h=7 m=58
